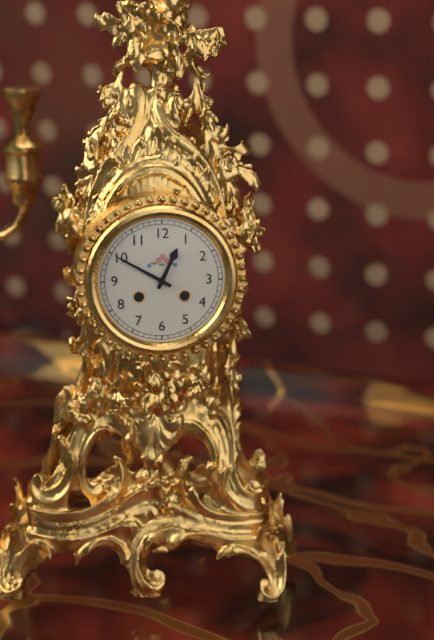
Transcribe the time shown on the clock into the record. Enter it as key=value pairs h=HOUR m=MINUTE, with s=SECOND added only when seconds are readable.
h=12 m=50
